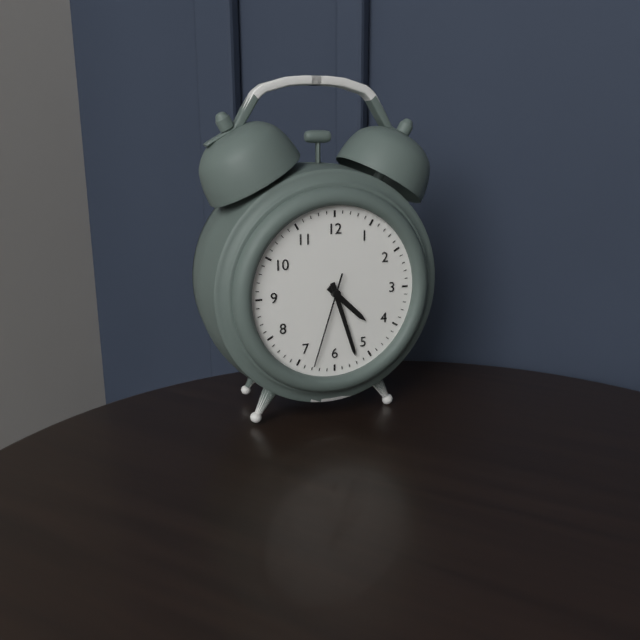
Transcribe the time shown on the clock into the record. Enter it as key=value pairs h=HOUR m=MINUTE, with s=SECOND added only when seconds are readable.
h=4 m=27 s=33
